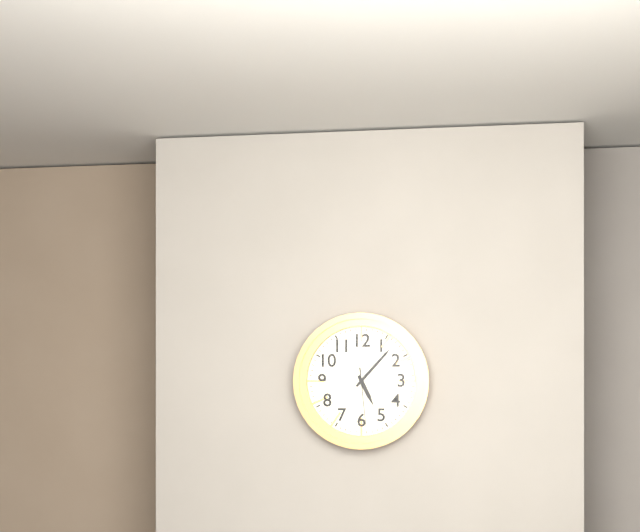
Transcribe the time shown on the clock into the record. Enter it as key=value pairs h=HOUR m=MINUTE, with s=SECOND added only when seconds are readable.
h=5 m=7 s=29
